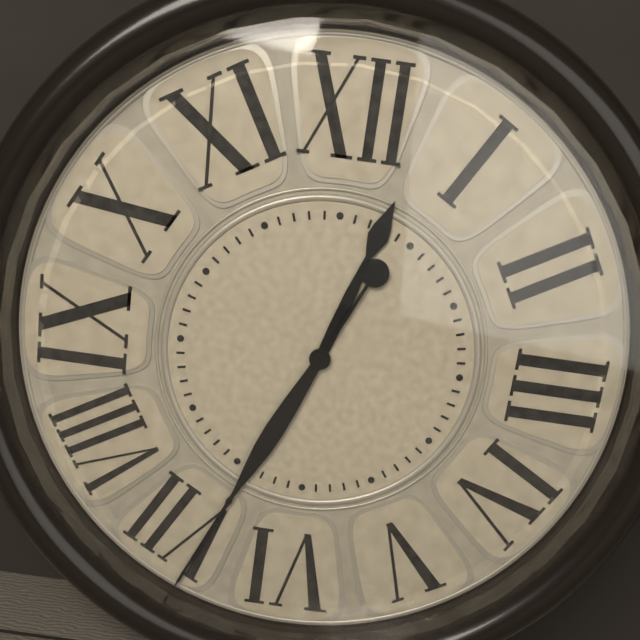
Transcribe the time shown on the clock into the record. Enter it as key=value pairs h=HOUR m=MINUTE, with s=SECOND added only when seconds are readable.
h=12 m=34
